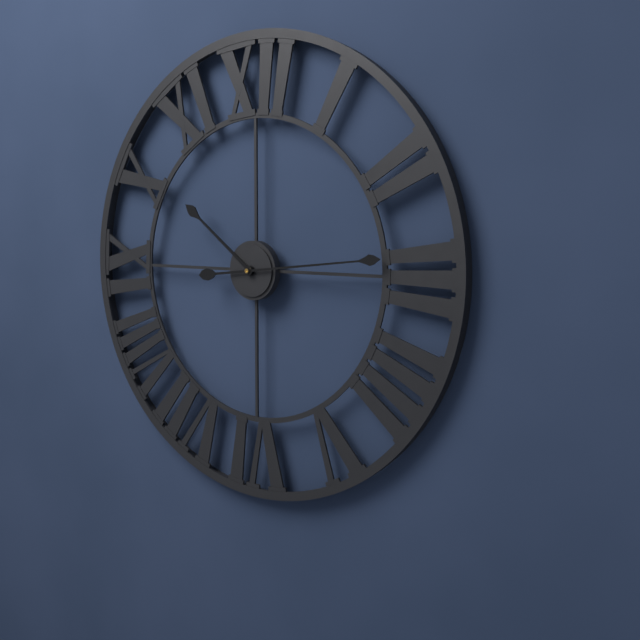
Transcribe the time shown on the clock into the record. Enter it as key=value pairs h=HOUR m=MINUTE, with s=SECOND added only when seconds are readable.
h=10 m=14
